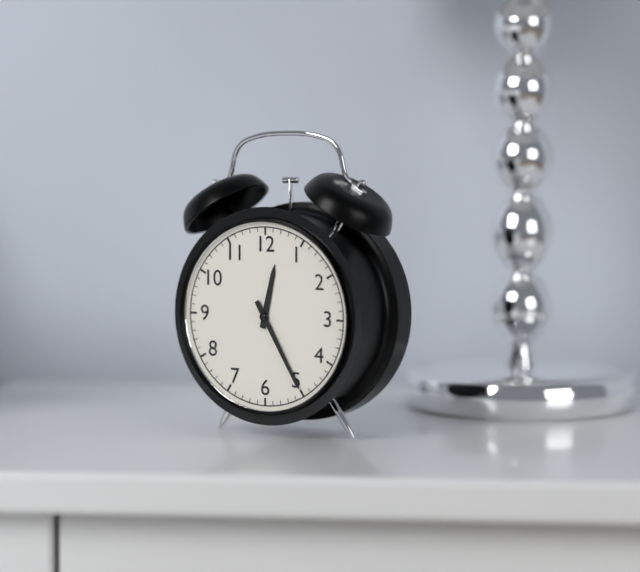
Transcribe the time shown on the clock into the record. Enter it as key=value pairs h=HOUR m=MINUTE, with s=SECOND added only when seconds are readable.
h=12 m=25
